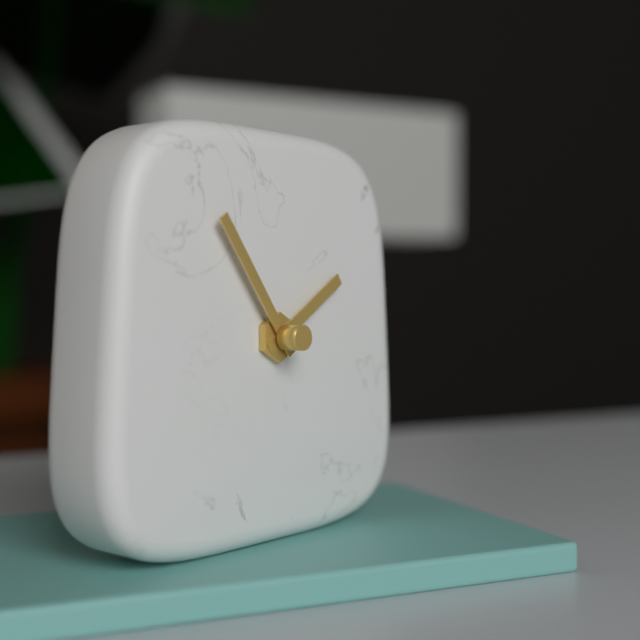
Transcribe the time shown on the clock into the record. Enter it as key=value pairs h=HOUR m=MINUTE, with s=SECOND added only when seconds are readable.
h=1 m=54
